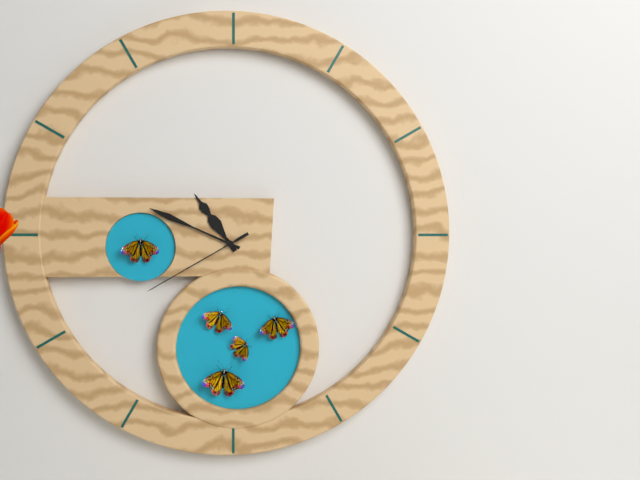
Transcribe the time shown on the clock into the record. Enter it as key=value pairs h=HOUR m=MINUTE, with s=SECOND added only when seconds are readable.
h=10 m=49 s=40
